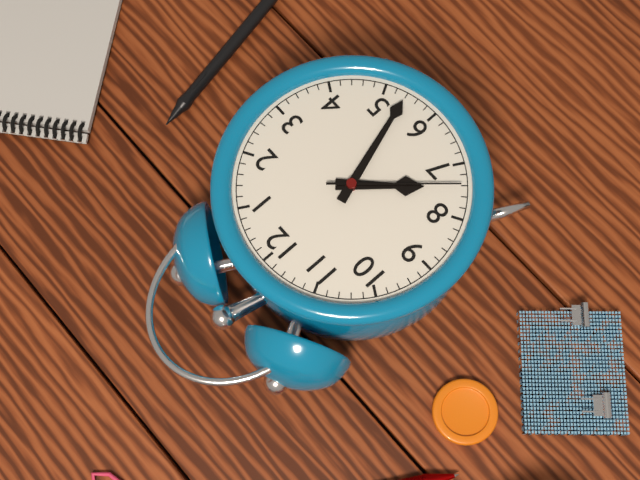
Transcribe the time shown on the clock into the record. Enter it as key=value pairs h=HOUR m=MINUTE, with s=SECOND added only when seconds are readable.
h=7 m=27 s=37
